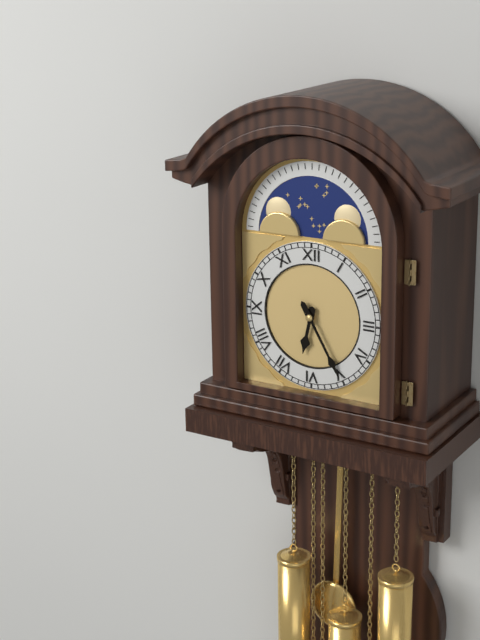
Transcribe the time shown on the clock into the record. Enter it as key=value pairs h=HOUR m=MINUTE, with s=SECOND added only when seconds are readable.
h=6 m=25
